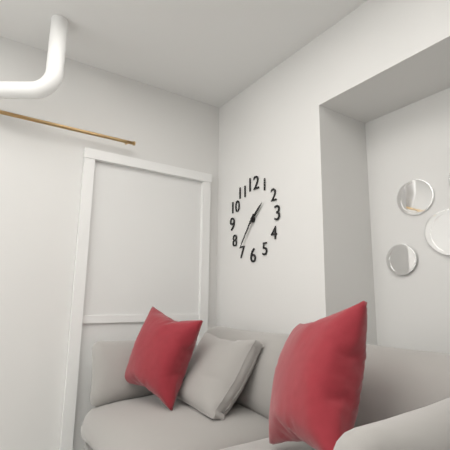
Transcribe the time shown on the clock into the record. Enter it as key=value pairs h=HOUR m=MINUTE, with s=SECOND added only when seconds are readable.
h=1 m=36
